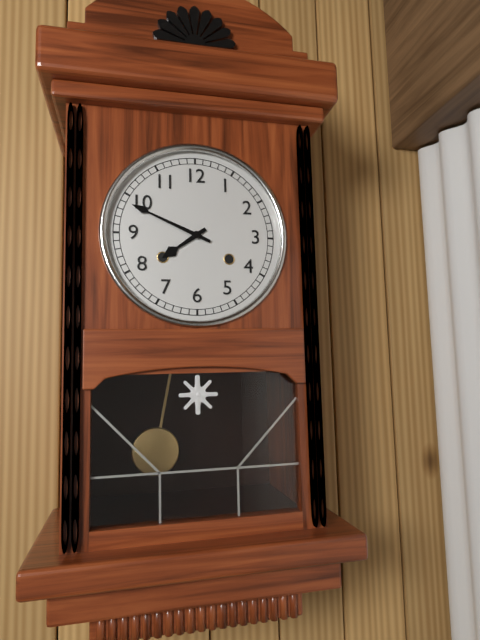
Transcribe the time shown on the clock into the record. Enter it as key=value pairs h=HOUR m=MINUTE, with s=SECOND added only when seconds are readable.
h=7 m=49
